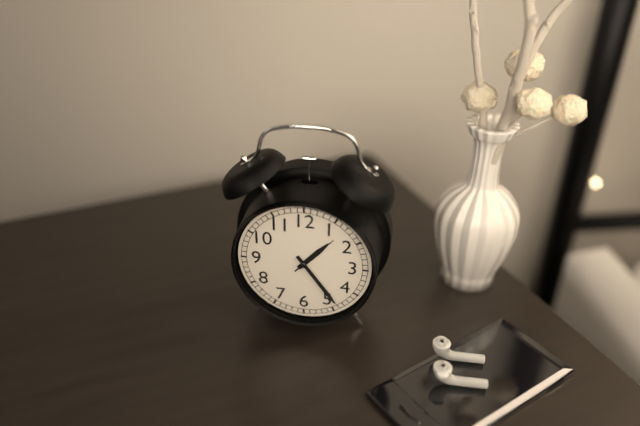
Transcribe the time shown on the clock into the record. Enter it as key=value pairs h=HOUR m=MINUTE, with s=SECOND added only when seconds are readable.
h=1 m=24
